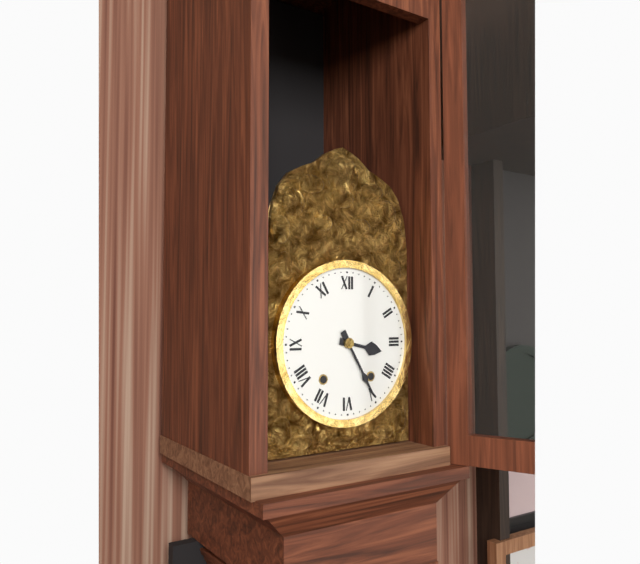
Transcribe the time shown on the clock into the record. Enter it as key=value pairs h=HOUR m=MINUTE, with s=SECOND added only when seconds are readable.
h=3 m=25
